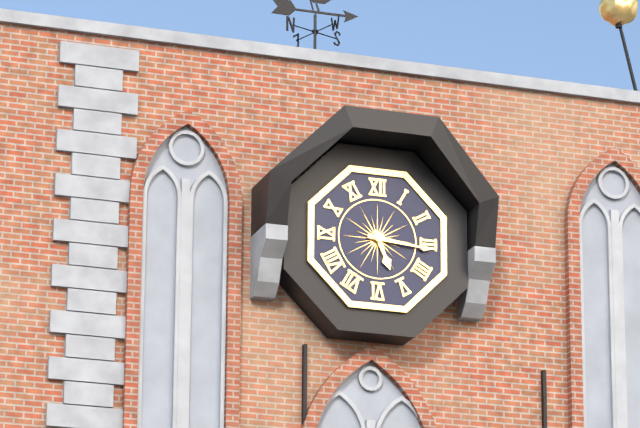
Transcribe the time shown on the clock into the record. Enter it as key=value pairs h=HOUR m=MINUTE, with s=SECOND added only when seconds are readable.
h=5 m=16
